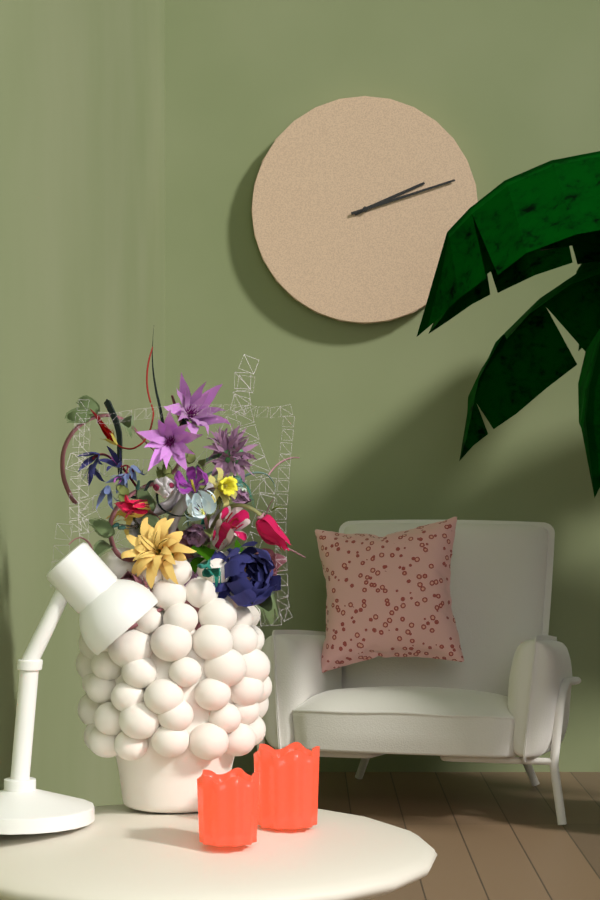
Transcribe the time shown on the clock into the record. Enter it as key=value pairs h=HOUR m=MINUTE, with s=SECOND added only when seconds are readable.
h=2 m=12
